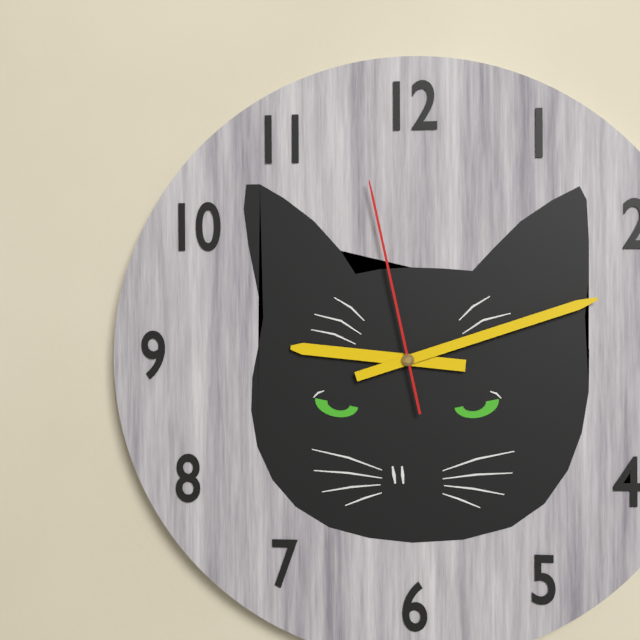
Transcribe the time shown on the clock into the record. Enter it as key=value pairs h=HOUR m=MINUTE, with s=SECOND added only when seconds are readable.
h=9 m=12 s=58
